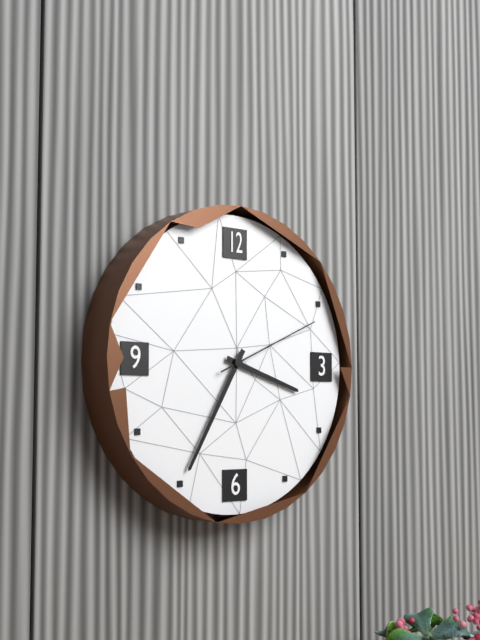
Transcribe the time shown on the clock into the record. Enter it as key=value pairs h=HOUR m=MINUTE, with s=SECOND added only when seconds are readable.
h=3 m=35 s=11
